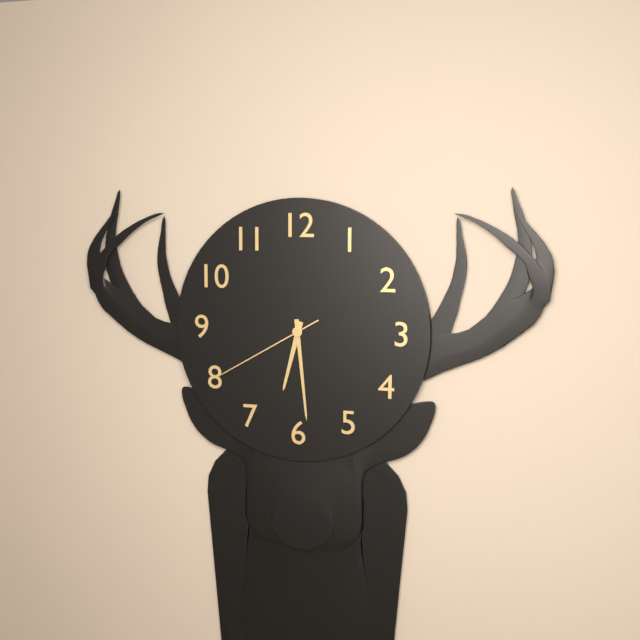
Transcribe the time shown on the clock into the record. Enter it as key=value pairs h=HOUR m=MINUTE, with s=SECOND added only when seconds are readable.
h=6 m=29 s=40
